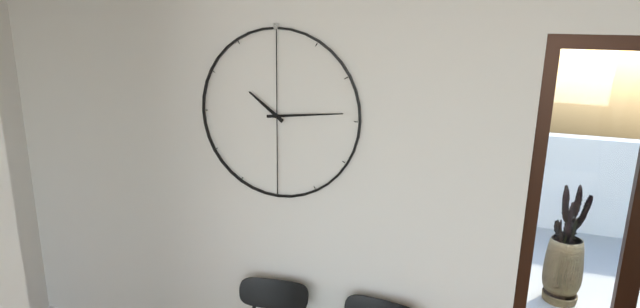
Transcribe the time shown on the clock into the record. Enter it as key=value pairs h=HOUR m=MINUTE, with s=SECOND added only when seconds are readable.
h=10 m=14
